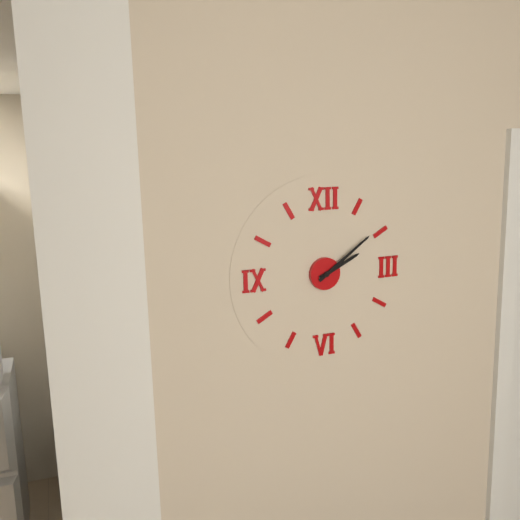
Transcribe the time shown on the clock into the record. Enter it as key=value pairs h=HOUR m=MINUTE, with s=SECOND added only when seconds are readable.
h=2 m=9
